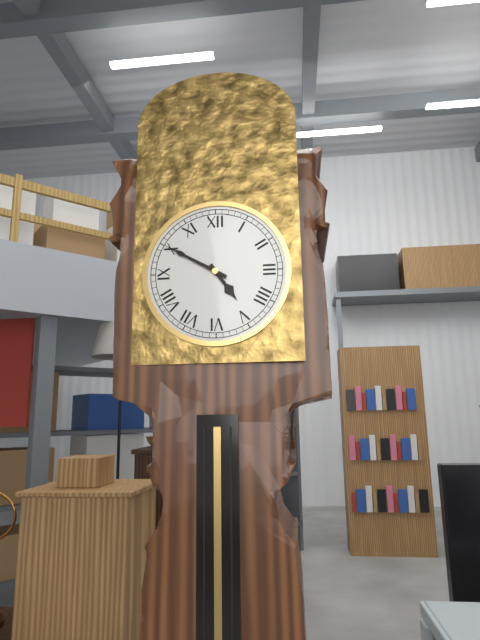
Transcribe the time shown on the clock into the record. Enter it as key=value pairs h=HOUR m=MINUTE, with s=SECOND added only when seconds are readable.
h=4 m=50
